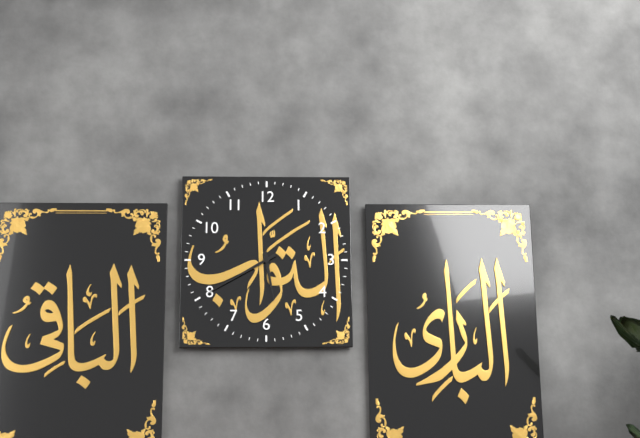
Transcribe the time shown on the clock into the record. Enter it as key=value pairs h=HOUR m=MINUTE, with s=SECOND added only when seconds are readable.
h=5 m=40
